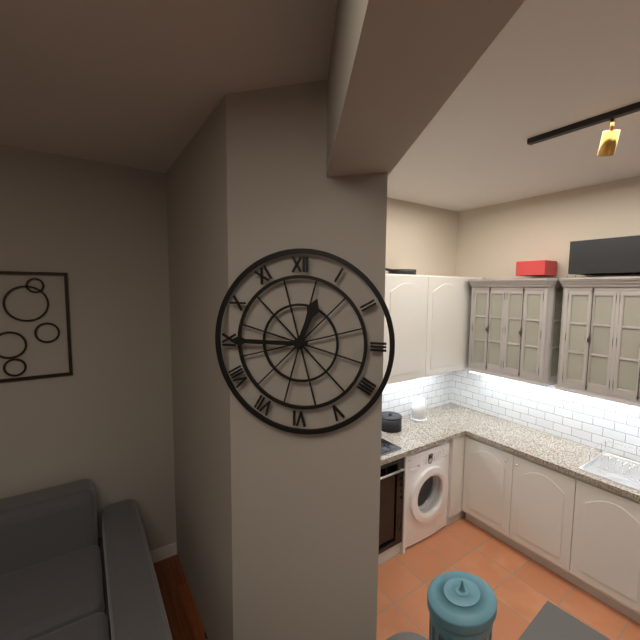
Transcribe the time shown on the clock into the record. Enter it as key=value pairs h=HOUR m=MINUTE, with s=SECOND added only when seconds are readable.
h=12 m=45
